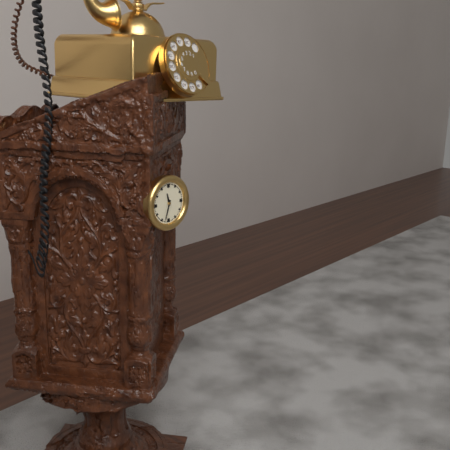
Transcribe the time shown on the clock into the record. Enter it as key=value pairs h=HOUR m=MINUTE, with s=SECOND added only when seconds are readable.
h=11 m=33
